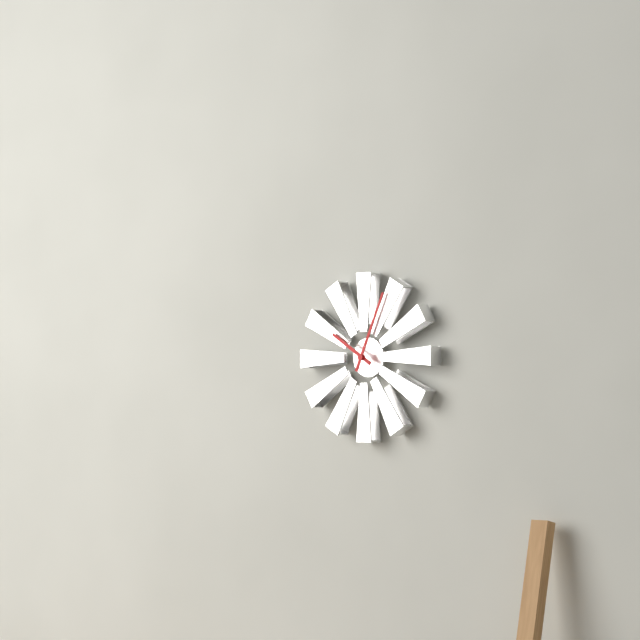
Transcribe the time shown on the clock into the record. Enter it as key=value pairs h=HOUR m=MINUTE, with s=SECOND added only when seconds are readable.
h=10 m=4
